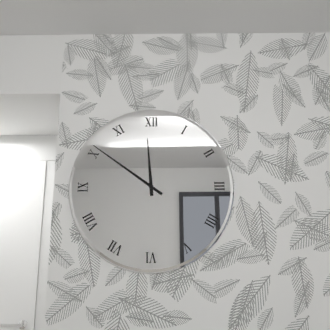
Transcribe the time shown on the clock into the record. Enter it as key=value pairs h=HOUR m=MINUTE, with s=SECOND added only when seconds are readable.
h=11 m=51
